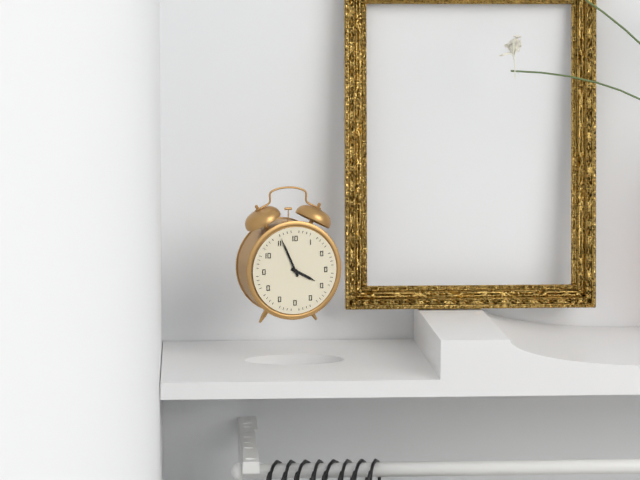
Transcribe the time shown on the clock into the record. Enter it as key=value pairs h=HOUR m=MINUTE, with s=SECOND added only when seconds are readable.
h=3 m=56
